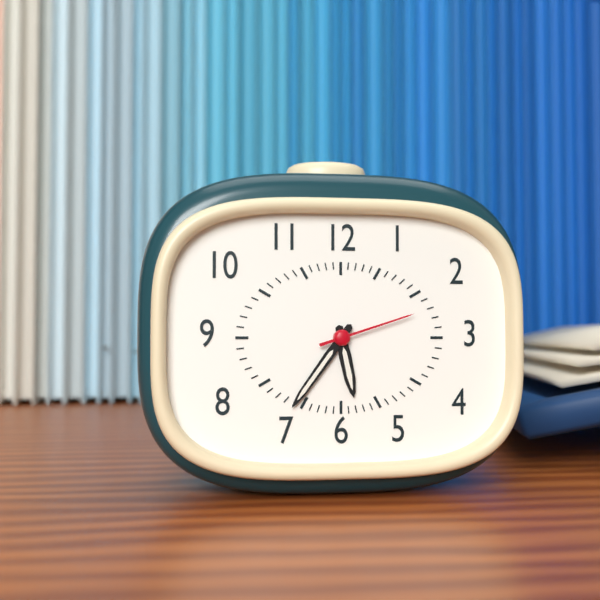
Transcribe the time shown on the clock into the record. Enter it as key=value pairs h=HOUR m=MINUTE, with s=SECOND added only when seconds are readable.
h=5 m=36 s=12
